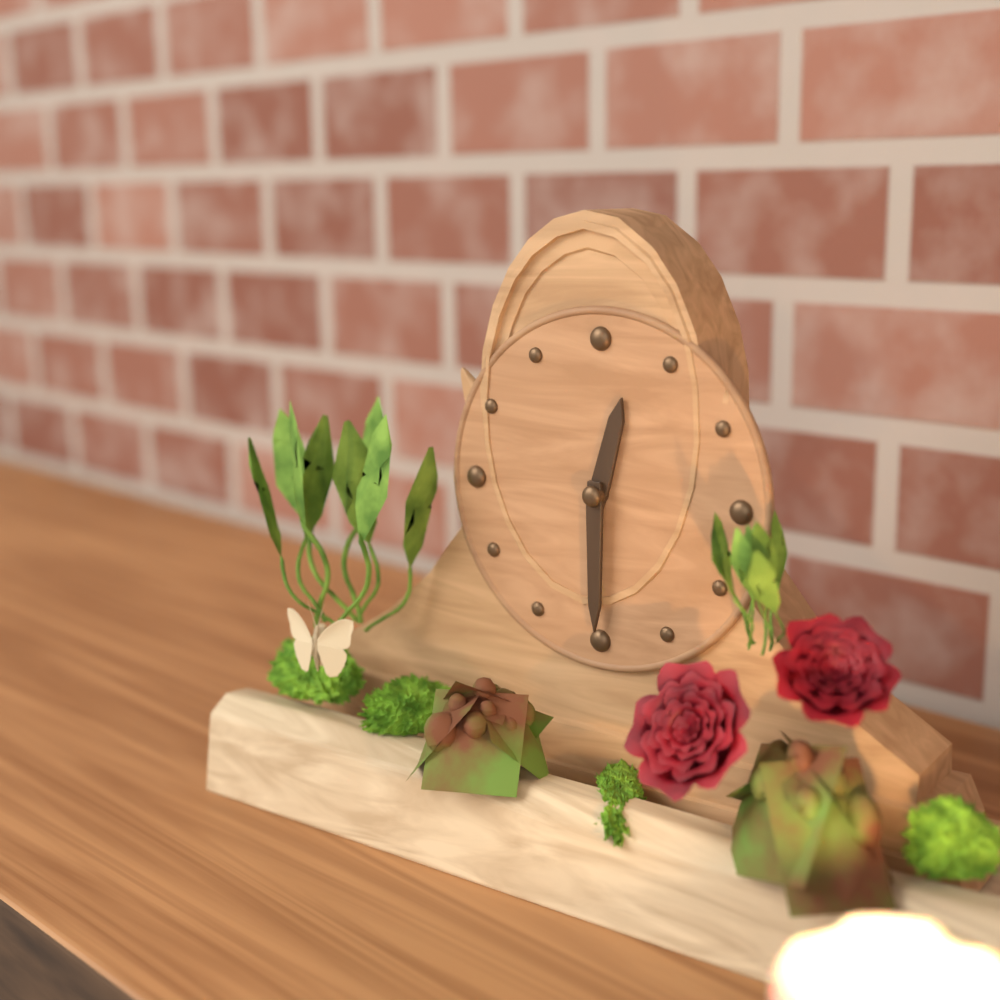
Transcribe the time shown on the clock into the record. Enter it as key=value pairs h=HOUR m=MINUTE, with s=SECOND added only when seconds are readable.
h=12 m=30
